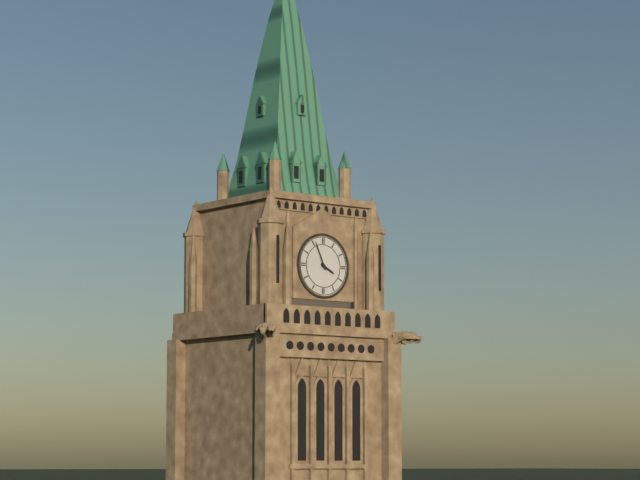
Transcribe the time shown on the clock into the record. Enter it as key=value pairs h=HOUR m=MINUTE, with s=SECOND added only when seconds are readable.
h=3 m=56
